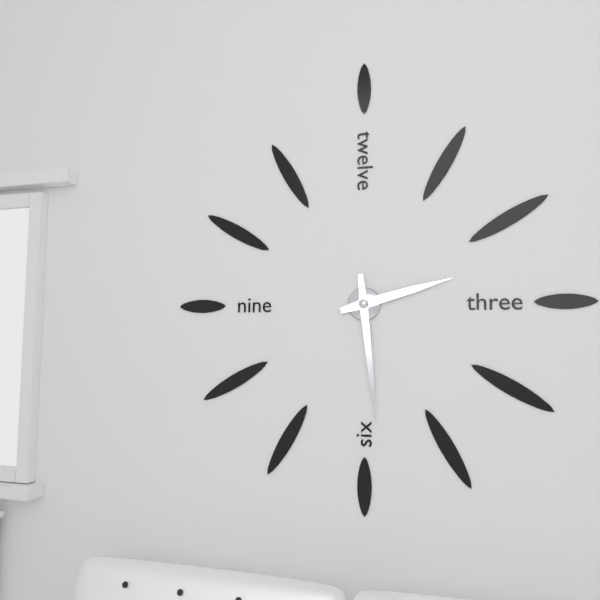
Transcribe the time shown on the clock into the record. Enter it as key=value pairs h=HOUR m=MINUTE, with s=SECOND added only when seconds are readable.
h=2 m=29
